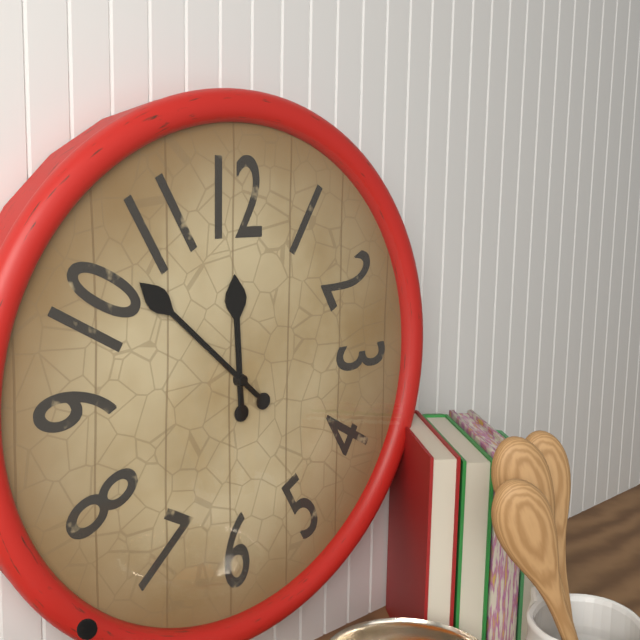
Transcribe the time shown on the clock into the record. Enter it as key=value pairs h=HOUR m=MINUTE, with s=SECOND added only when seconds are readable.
h=11 m=52
